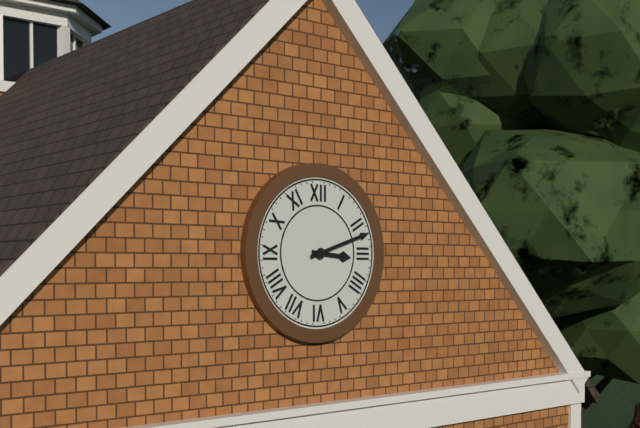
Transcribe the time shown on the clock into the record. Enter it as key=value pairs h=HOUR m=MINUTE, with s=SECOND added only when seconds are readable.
h=3 m=12
